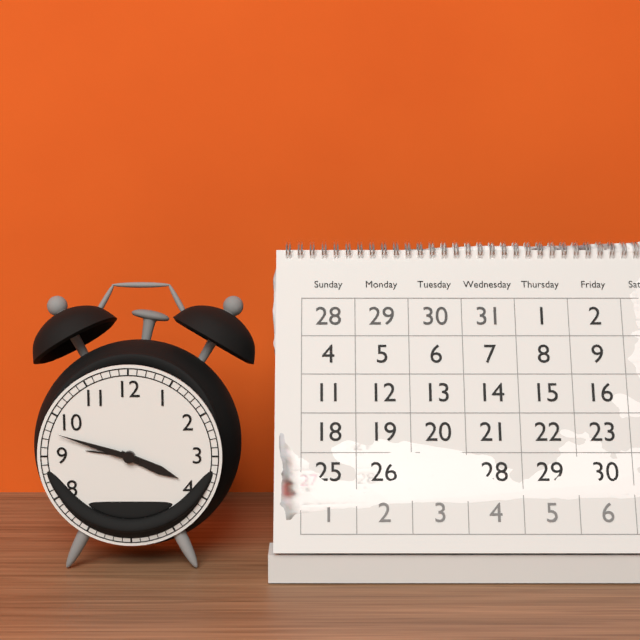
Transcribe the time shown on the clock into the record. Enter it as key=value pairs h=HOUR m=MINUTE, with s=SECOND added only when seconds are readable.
h=3 m=48
